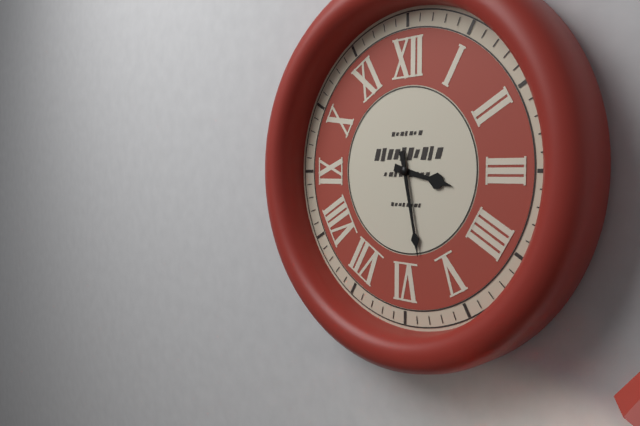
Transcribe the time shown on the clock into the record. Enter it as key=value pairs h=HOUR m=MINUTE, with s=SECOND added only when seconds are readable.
h=3 m=28
